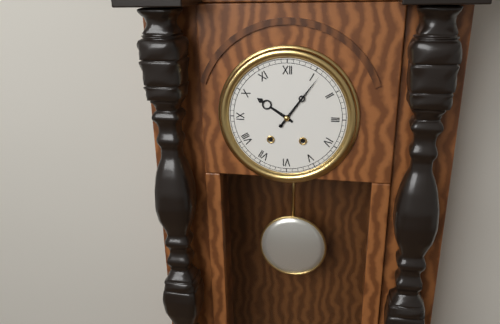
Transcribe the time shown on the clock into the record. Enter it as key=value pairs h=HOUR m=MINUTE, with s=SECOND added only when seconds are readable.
h=10 m=6
